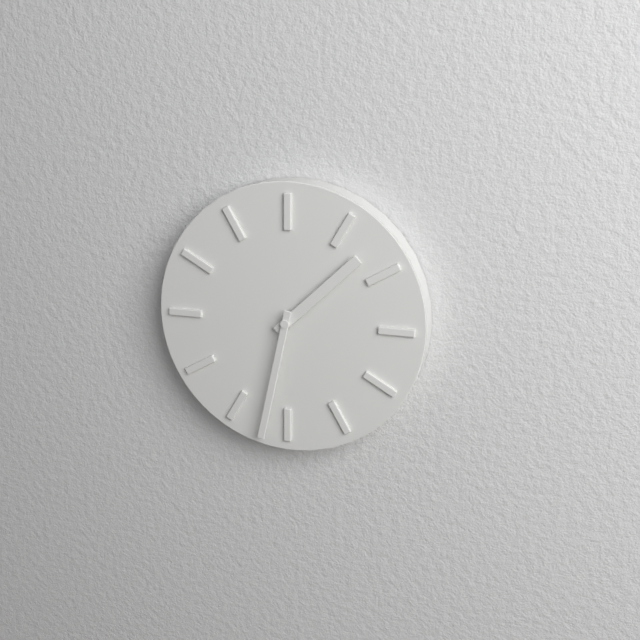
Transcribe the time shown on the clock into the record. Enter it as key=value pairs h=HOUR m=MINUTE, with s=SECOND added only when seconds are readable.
h=1 m=32
